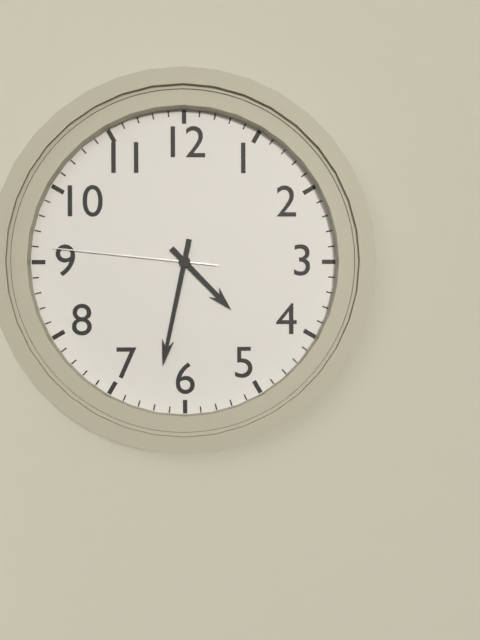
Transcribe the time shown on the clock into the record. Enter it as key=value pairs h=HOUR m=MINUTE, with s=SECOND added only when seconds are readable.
h=4 m=32 s=46
